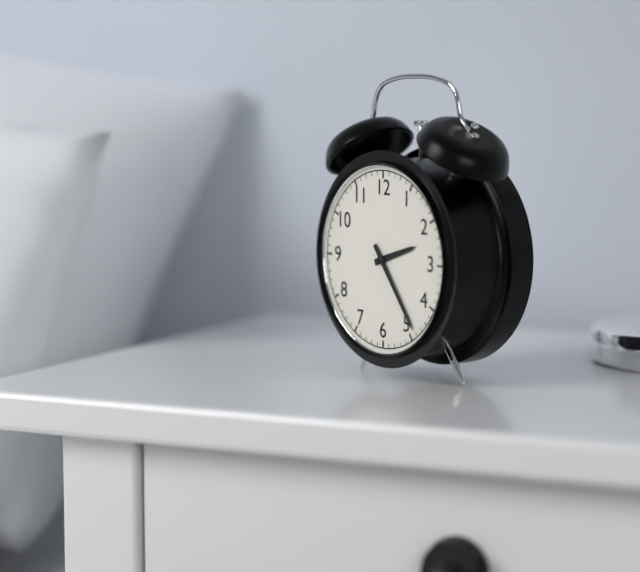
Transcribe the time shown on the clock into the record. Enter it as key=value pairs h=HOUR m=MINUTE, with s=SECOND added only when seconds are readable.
h=2 m=24
